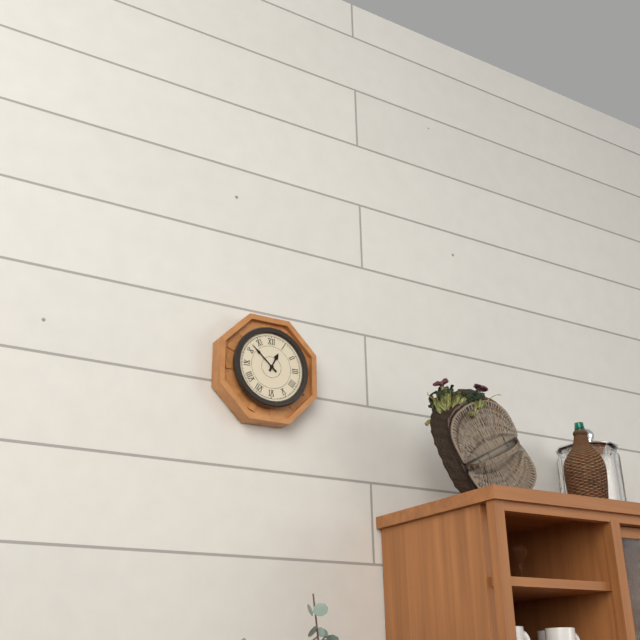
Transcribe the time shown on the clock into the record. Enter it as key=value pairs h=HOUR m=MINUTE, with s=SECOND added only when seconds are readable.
h=12 m=52
